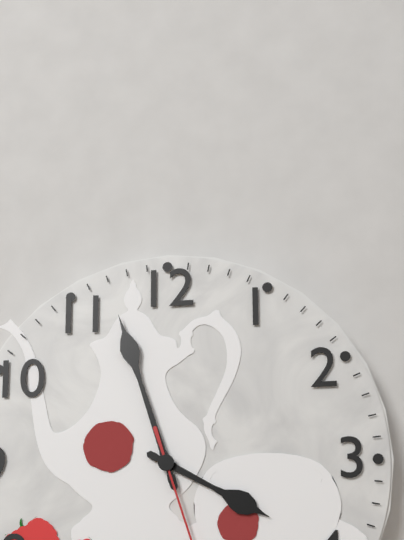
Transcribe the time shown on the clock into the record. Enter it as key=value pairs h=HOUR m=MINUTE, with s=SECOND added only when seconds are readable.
h=3 m=57
